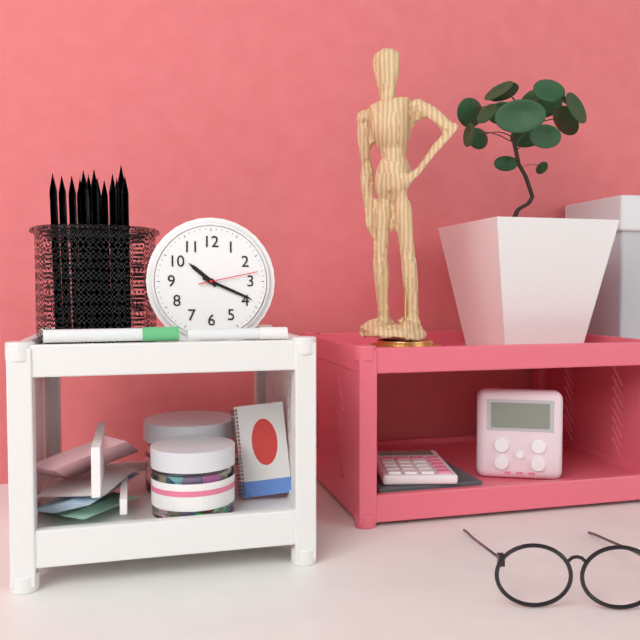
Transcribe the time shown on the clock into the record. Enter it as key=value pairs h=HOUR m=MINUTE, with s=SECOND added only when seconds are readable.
h=10 m=19 s=13
